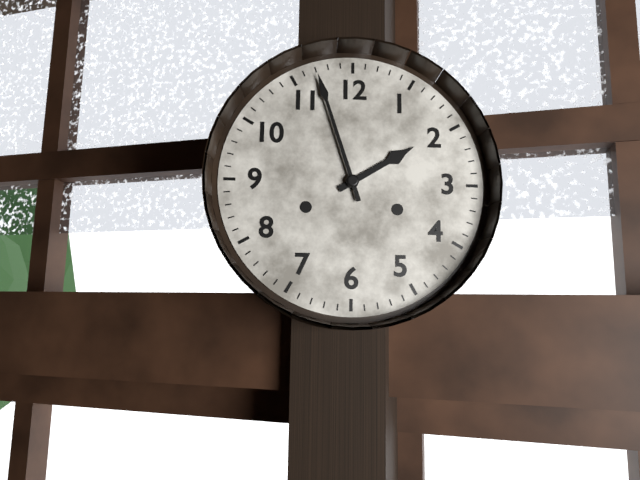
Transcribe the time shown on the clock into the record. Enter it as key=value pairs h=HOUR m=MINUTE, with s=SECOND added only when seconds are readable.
h=1 m=57
